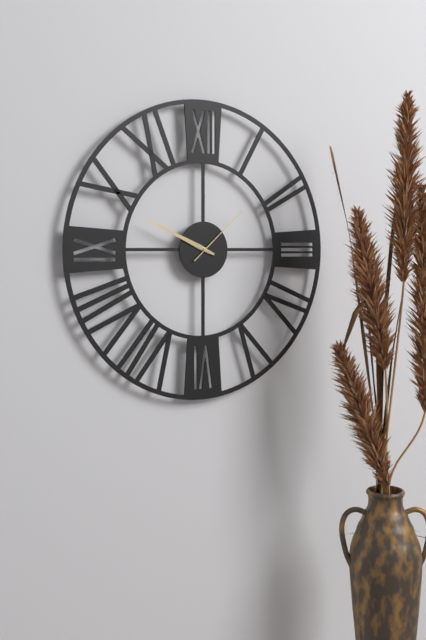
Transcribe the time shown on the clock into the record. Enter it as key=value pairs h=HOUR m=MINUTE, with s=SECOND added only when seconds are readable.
h=9 m=49 s=8
